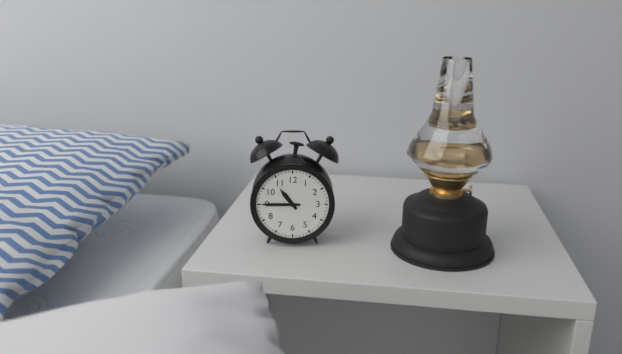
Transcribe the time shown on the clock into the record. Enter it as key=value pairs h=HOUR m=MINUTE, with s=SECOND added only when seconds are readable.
h=10 m=45
